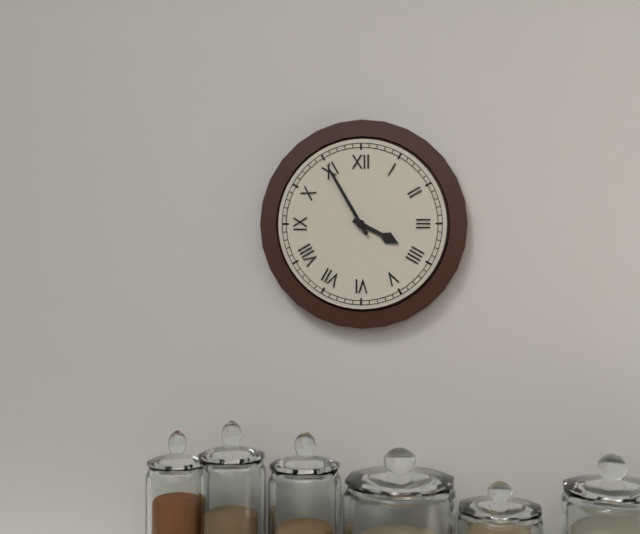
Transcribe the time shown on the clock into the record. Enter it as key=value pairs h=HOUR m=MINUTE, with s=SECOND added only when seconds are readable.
h=3 m=55
